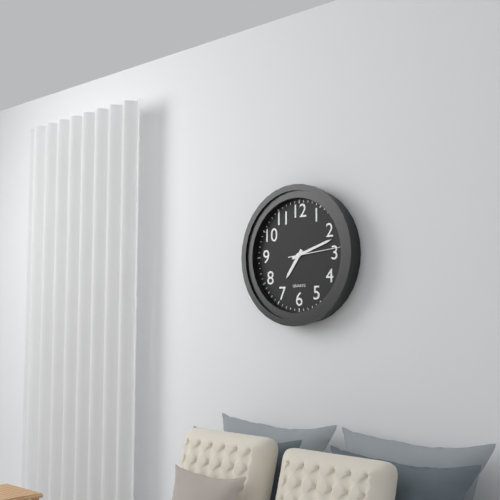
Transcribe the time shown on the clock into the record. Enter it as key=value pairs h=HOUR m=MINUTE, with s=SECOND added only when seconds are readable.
h=7 m=12 s=14
